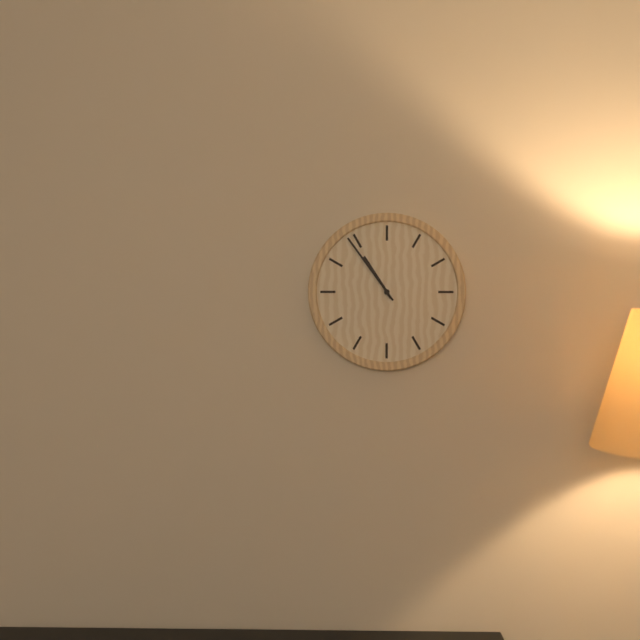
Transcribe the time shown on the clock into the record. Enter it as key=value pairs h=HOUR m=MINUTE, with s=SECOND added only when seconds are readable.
h=10 m=54
